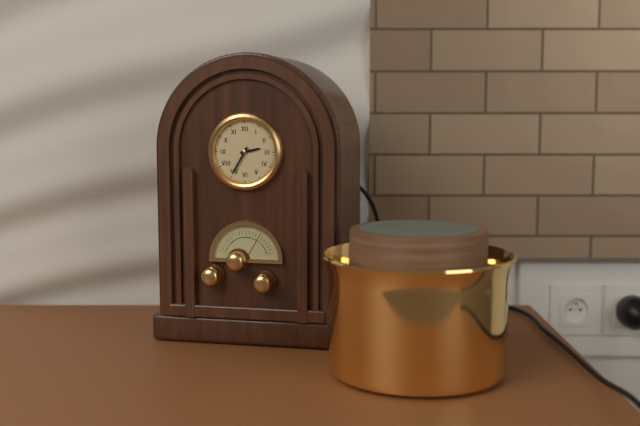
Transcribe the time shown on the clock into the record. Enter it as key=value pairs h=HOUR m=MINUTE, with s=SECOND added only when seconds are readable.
h=2 m=35
